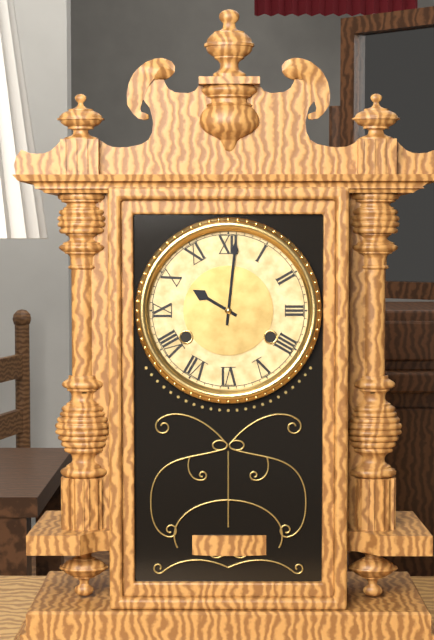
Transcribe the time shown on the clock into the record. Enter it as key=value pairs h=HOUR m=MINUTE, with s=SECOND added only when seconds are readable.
h=10 m=1
